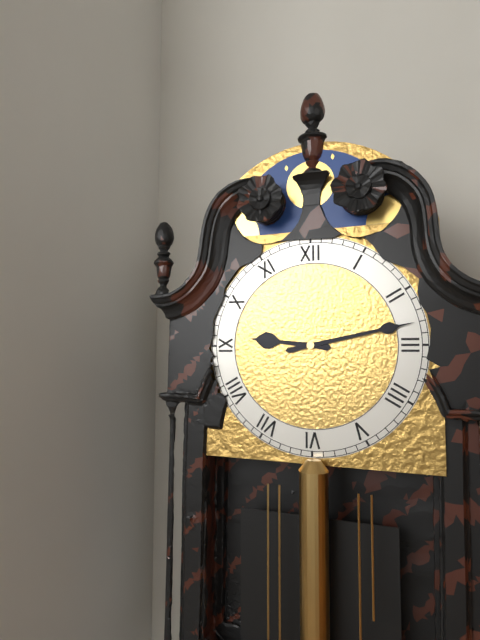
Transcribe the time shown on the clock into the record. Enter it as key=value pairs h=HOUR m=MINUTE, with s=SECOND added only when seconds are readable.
h=9 m=13
